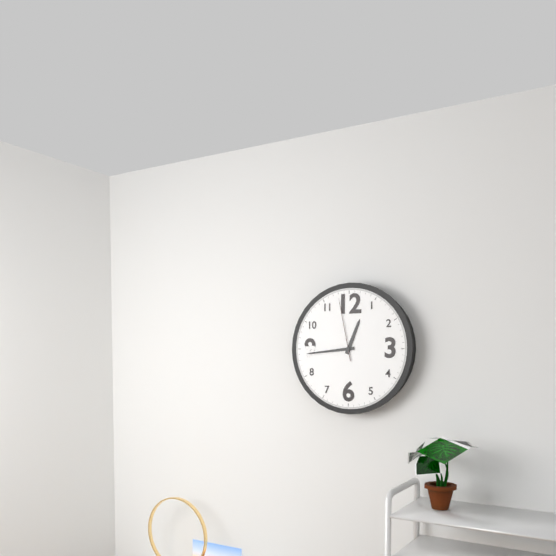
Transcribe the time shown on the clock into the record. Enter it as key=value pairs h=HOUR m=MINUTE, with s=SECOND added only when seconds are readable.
h=12 m=44 s=58
